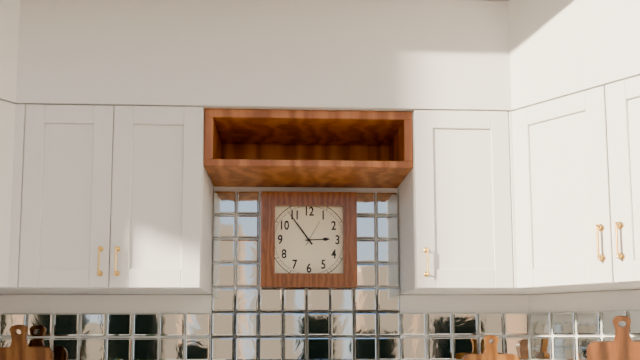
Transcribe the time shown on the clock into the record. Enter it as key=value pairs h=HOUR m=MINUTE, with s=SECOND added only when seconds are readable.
h=2 m=54
